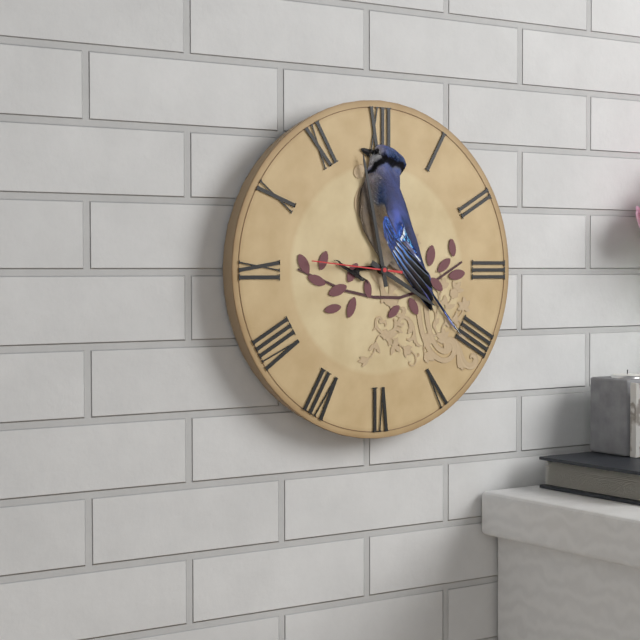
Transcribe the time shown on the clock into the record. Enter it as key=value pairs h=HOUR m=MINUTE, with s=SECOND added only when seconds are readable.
h=3 m=58 s=46
